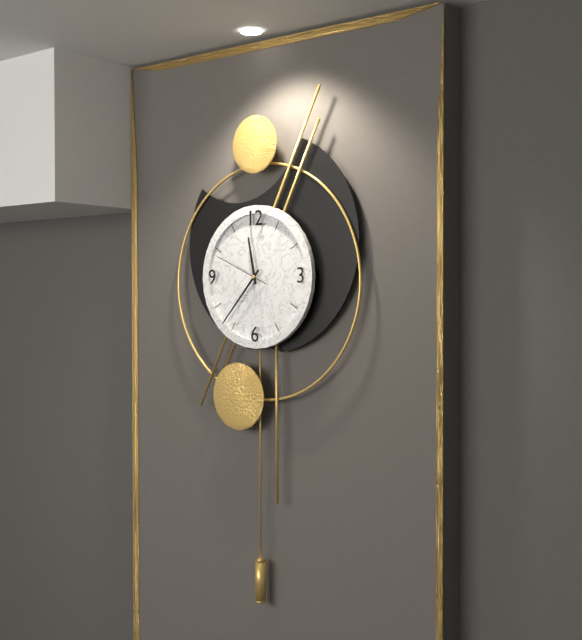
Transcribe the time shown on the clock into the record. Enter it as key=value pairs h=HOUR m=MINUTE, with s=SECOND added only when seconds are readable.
h=11 m=37 s=49
